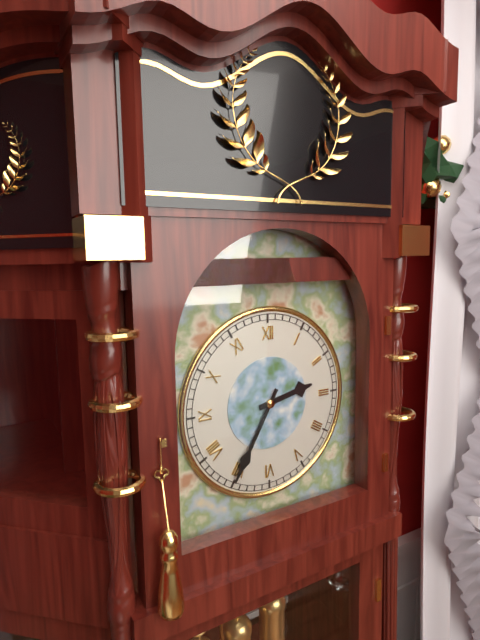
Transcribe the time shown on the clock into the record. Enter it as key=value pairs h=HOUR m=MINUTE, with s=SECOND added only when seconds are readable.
h=2 m=35
